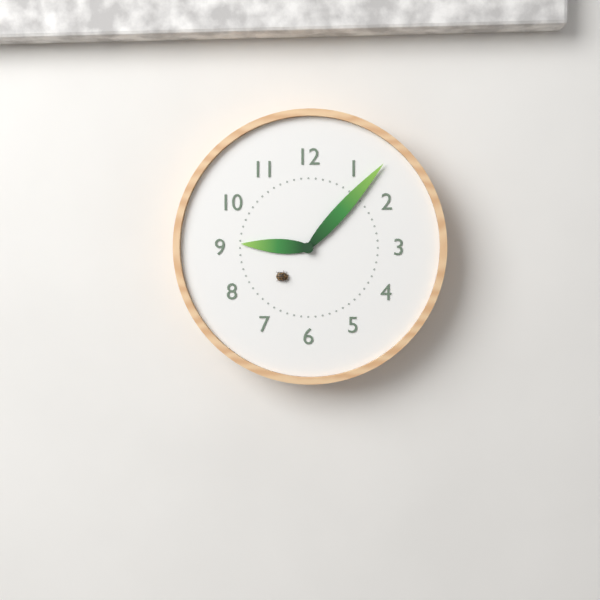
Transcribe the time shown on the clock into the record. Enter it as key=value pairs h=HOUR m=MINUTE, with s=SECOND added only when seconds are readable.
h=9 m=7
